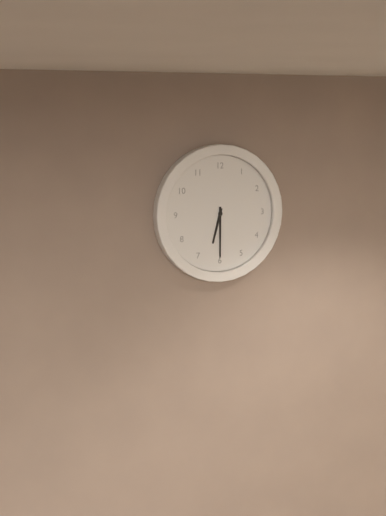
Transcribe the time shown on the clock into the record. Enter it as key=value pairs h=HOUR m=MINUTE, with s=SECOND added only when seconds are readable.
h=6 m=30
